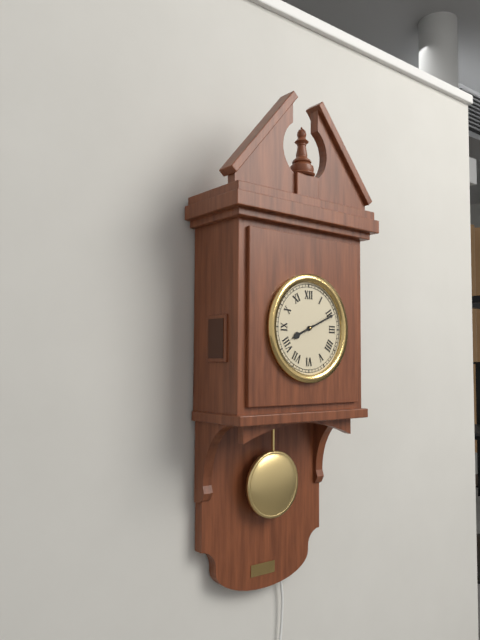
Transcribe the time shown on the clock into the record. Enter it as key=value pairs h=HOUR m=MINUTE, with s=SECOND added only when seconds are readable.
h=8 m=11
